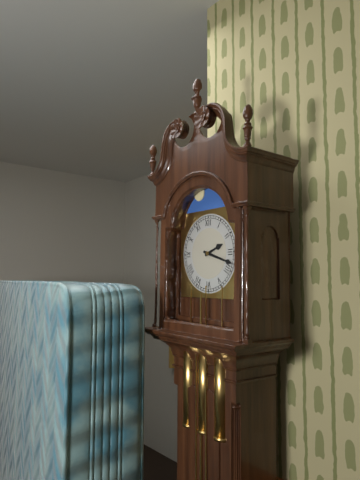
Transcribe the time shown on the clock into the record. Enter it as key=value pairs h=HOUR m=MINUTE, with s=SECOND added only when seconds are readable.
h=2 m=18
